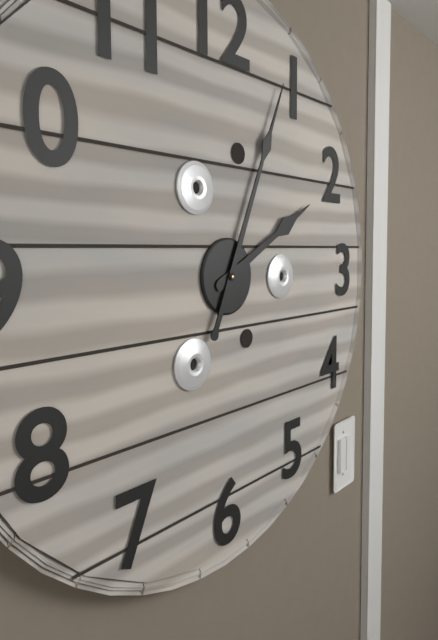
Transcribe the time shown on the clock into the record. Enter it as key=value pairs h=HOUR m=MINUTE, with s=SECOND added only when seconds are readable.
h=2 m=4
